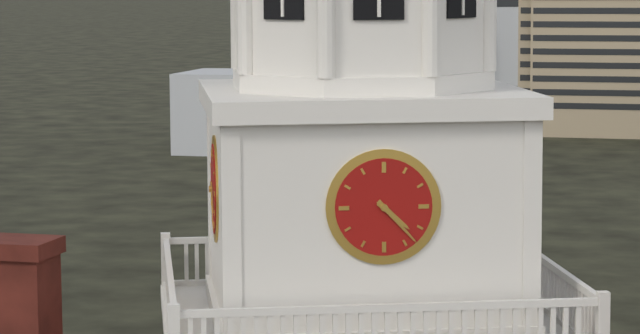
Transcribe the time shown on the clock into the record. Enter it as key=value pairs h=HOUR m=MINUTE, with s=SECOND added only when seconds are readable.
h=4 m=23
